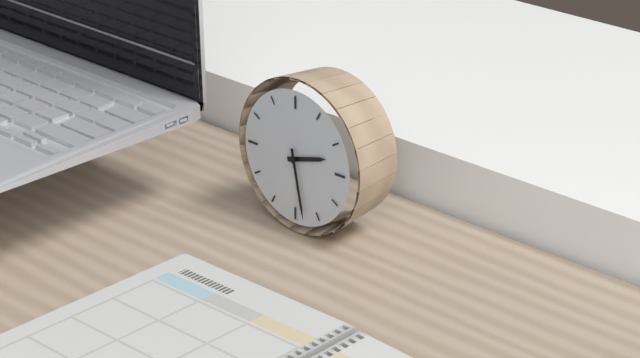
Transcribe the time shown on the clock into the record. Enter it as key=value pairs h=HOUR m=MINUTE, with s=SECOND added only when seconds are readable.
h=2 m=28
